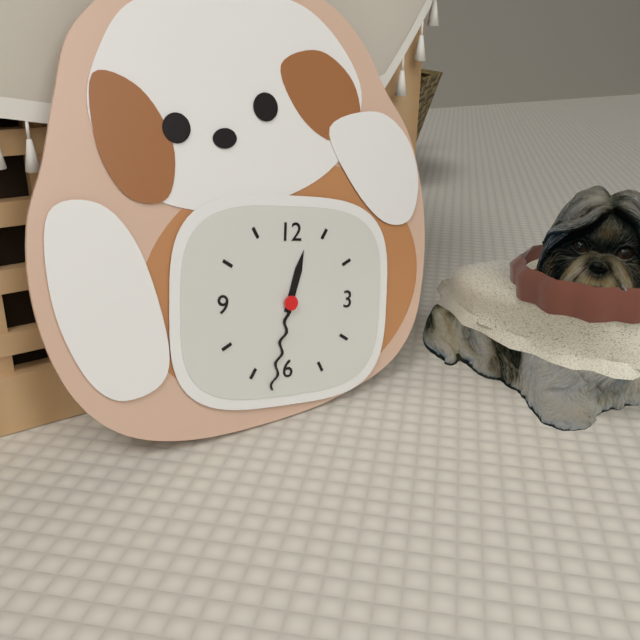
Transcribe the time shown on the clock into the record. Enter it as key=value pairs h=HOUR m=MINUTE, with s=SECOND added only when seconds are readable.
h=12 m=32
